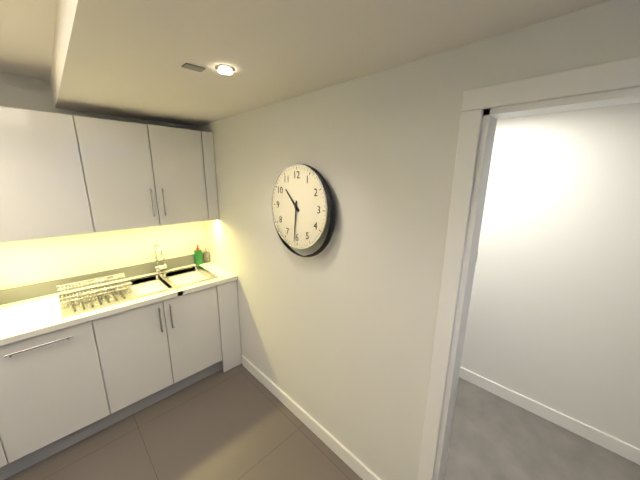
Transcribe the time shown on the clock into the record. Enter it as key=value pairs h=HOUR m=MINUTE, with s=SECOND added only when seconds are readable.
h=10 m=31
